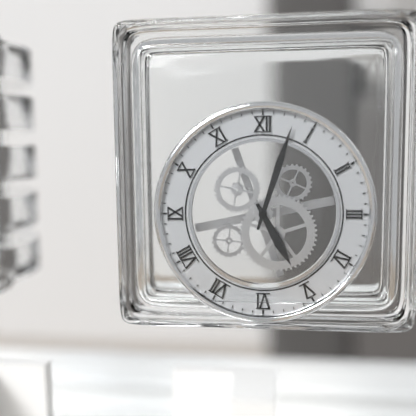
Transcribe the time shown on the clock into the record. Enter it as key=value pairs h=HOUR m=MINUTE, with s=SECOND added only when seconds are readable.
h=5 m=3
